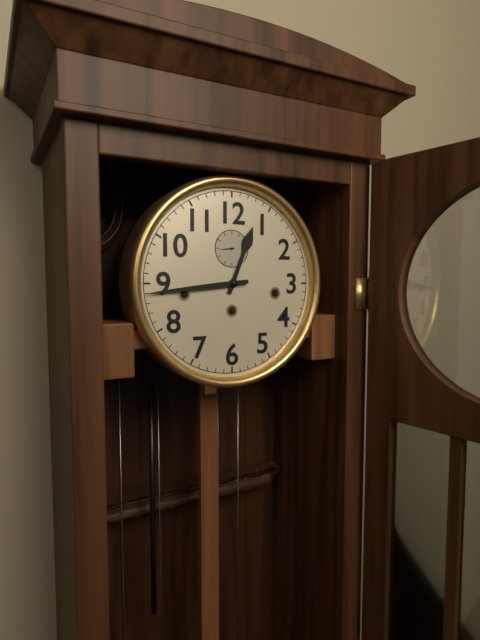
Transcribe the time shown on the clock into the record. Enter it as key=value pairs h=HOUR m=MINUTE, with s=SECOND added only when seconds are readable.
h=12 m=44
